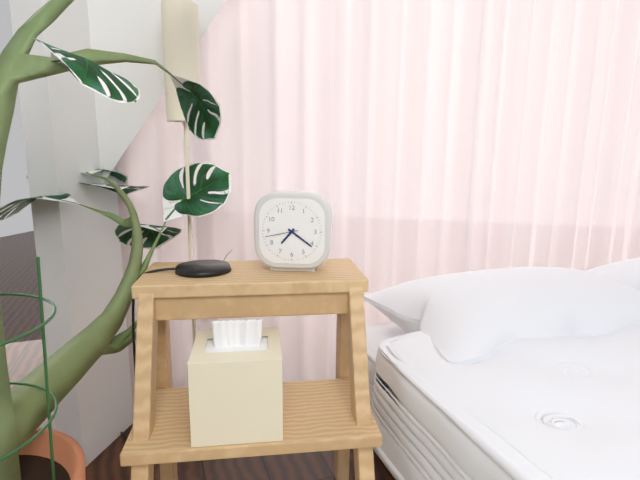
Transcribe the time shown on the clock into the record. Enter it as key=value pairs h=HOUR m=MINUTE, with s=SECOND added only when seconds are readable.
h=7 m=21
